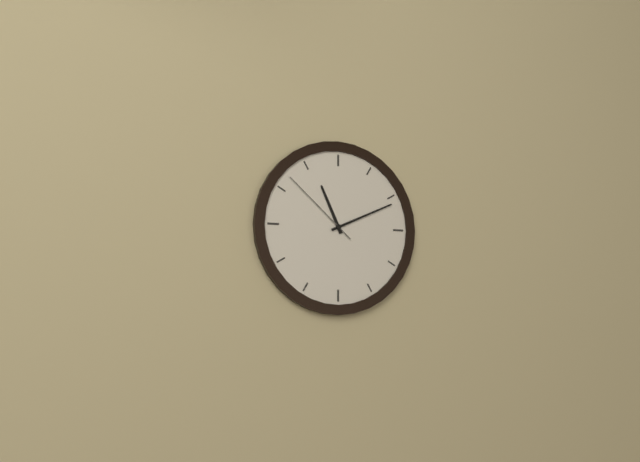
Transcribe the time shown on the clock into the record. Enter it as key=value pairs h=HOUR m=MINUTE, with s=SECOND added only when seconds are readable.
h=11 m=11 s=52
